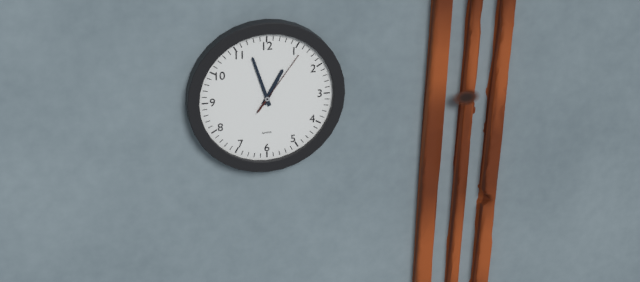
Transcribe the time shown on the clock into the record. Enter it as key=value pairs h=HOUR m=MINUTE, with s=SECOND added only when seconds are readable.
h=12 m=57 s=6
